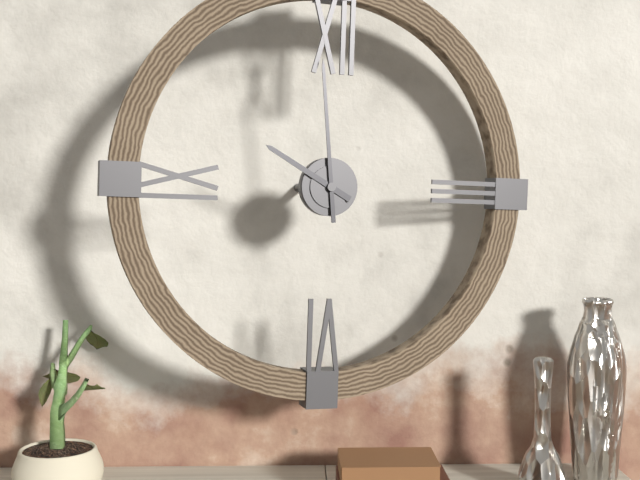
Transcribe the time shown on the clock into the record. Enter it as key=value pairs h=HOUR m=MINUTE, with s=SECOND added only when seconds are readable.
h=9 m=59
